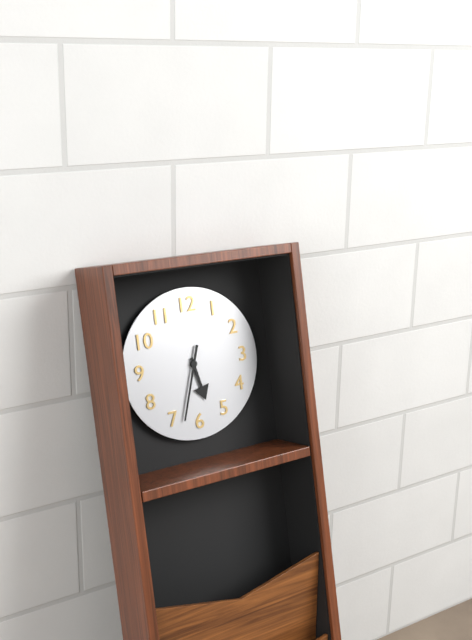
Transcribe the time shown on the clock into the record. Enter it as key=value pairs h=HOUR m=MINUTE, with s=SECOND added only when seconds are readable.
h=5 m=33
